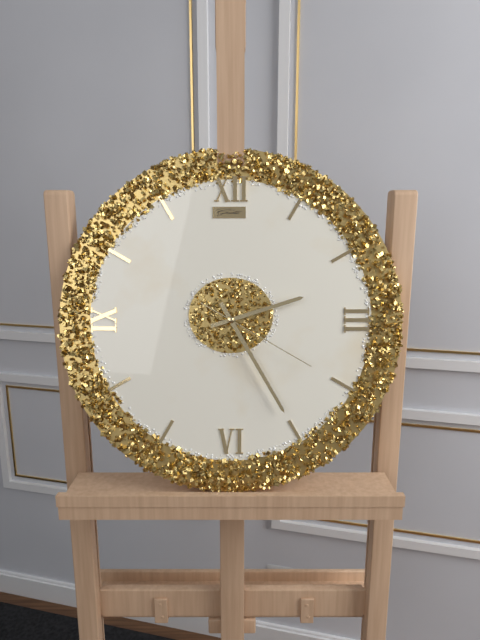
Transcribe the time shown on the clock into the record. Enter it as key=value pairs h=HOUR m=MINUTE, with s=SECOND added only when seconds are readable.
h=2 m=25 s=20
